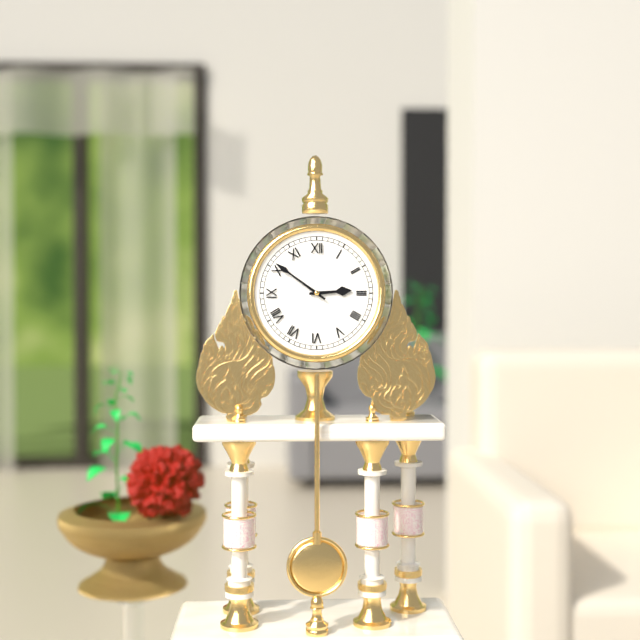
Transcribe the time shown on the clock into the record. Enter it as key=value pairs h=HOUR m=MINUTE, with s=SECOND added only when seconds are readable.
h=2 m=51
